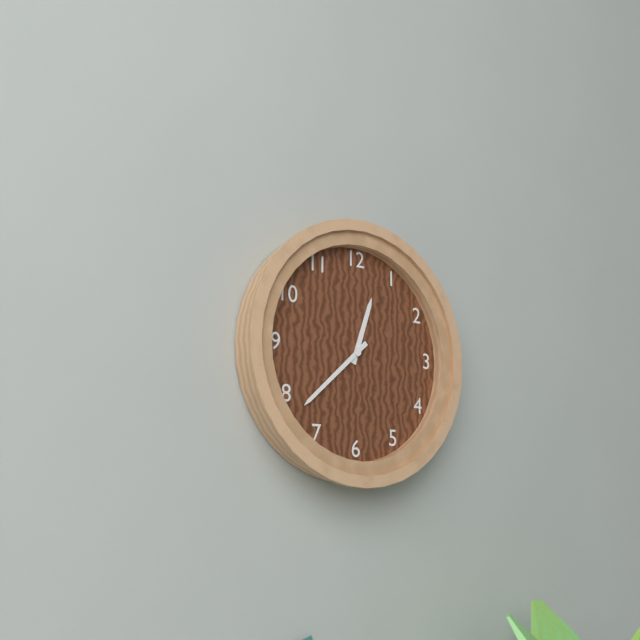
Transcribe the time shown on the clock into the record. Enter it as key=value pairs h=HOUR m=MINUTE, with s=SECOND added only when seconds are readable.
h=12 m=38
